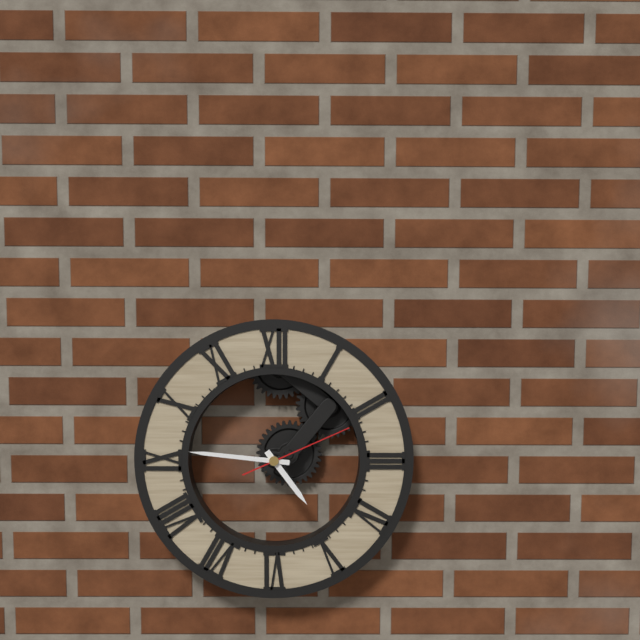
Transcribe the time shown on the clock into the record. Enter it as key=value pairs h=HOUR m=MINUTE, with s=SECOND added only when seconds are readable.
h=4 m=46 s=11
